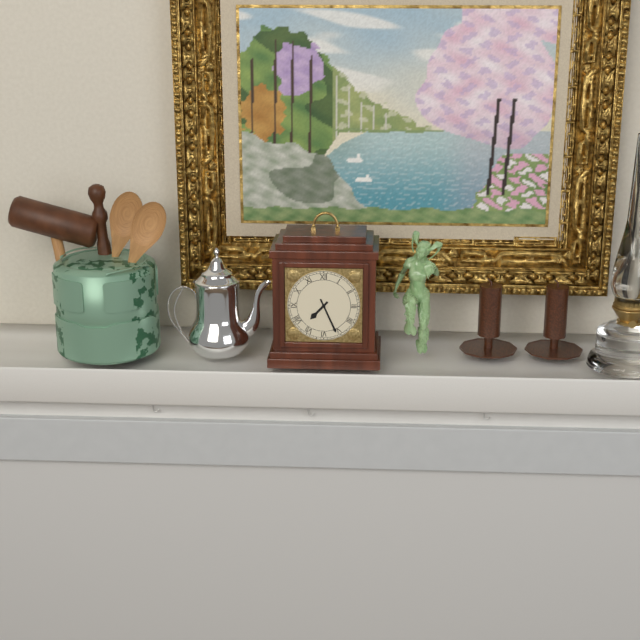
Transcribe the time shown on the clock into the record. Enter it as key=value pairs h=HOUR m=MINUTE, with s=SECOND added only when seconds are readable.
h=7 m=26
